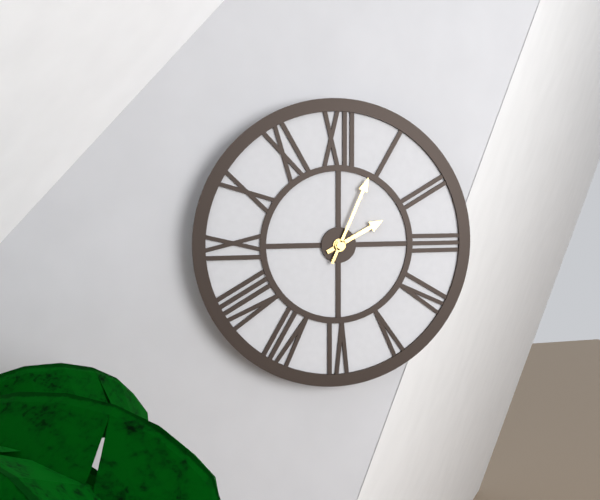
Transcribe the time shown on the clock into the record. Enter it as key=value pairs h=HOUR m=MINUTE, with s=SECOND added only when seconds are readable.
h=2 m=4
